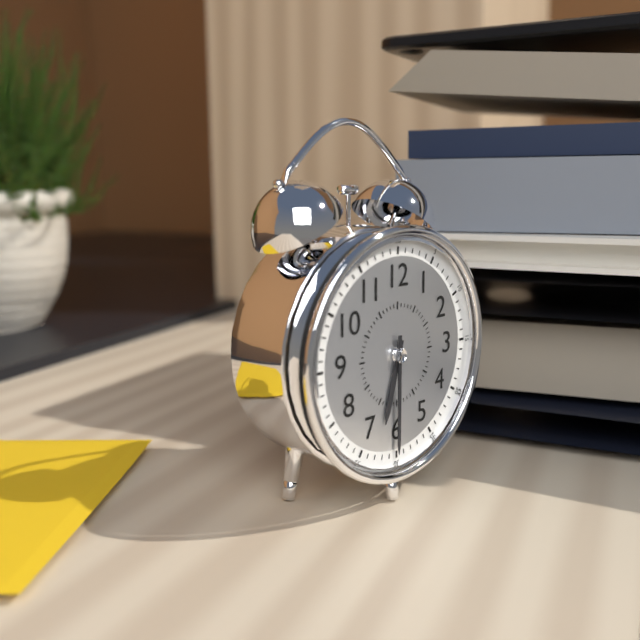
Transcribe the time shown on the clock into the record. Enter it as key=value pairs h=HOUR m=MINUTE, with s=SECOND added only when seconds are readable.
h=6 m=30
